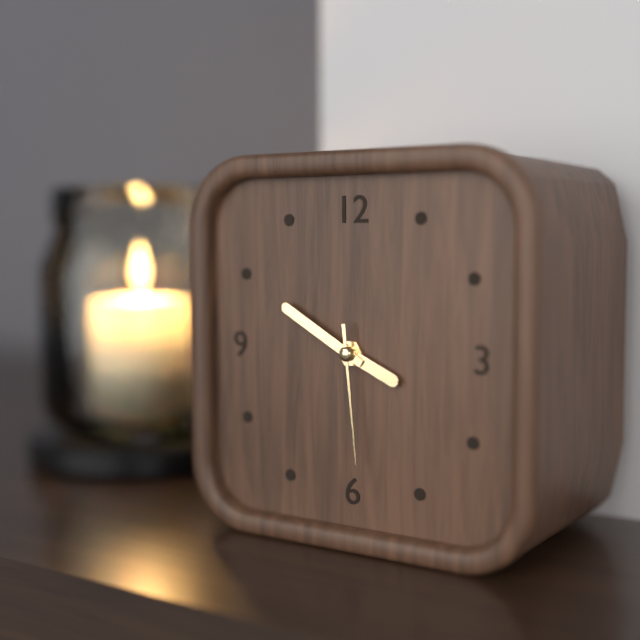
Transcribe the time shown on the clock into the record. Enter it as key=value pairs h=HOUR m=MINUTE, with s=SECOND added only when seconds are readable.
h=3 m=50 s=29
